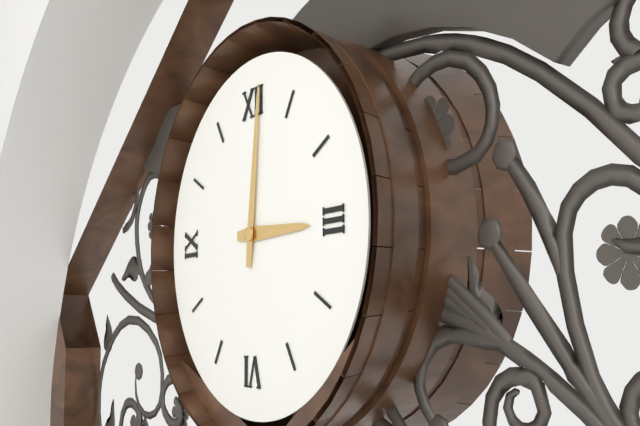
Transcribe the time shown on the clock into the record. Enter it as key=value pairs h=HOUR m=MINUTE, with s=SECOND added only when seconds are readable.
h=3 m=1
